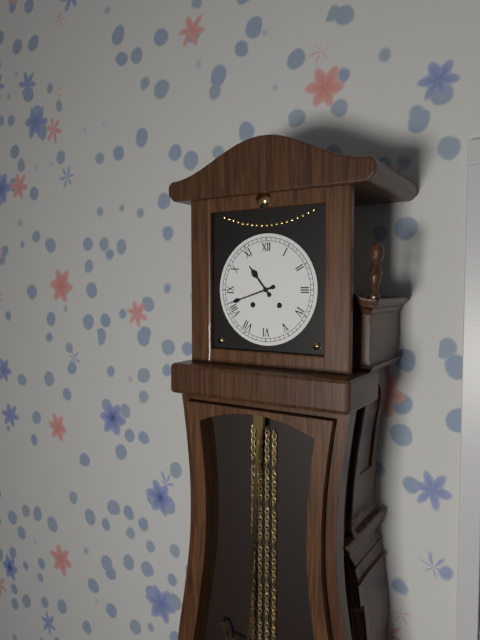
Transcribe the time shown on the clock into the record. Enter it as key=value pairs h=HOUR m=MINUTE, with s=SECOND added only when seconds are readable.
h=10 m=42
